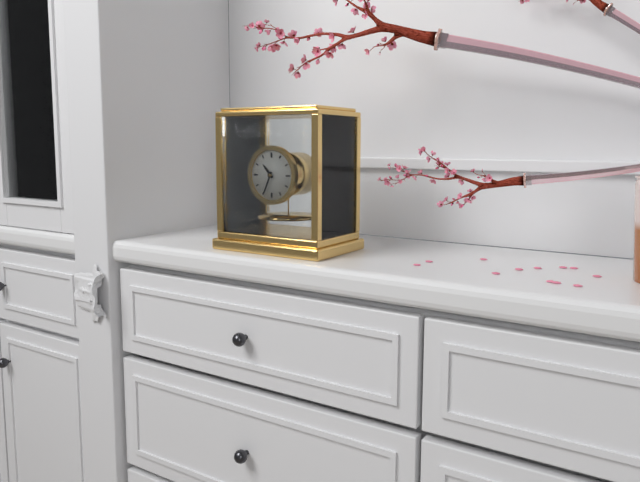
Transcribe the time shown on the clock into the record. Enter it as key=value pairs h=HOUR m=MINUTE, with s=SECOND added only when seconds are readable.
h=10 m=34
